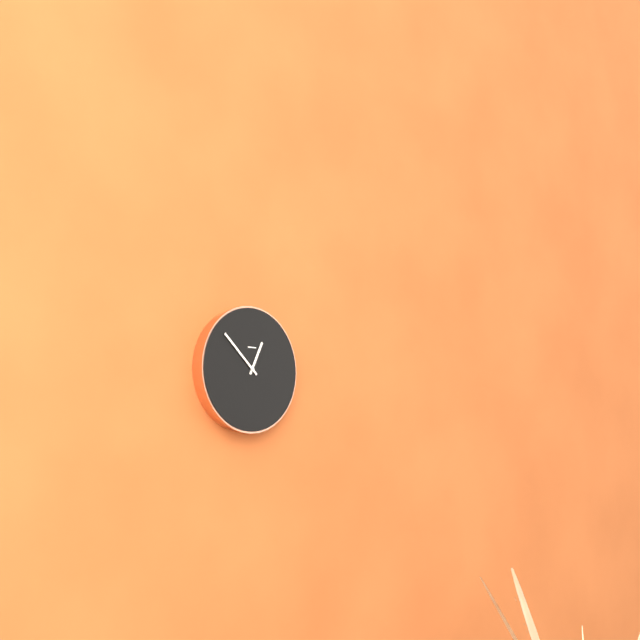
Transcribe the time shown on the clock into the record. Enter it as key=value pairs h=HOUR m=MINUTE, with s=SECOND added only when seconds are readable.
h=12 m=52
